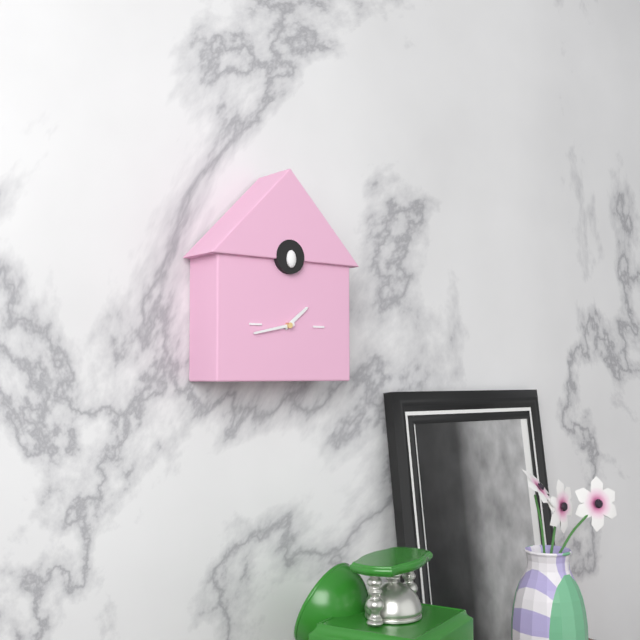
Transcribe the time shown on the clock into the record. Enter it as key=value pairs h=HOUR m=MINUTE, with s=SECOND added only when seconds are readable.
h=1 m=43
